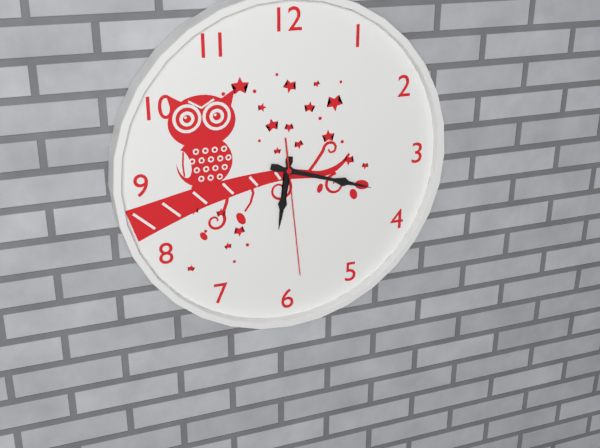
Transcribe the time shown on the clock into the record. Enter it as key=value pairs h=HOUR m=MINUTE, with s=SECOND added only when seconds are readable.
h=6 m=18 s=29
